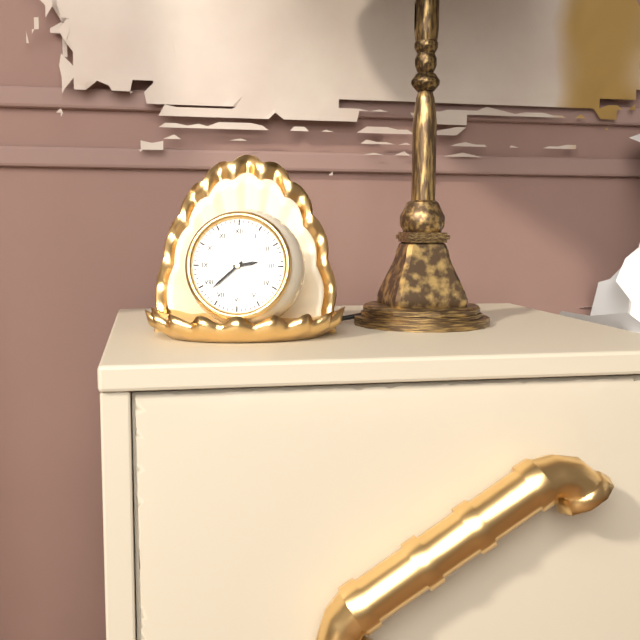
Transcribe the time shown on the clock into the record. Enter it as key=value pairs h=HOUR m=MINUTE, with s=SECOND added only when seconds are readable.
h=2 m=38
